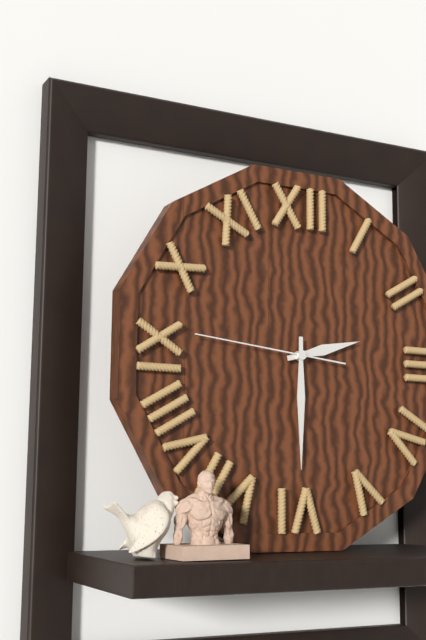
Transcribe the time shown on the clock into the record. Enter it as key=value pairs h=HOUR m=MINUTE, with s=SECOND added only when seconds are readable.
h=2 m=30 s=46
